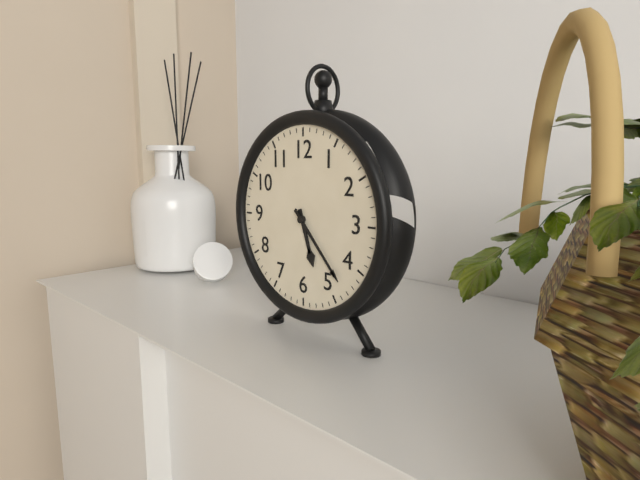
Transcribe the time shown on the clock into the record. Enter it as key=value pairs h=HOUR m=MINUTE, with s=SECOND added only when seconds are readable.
h=5 m=23
